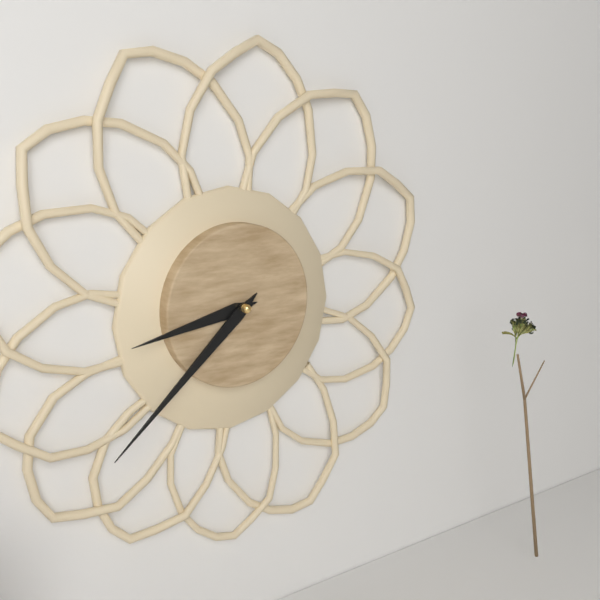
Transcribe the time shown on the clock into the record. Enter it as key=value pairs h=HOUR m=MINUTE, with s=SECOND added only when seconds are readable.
h=8 m=38
